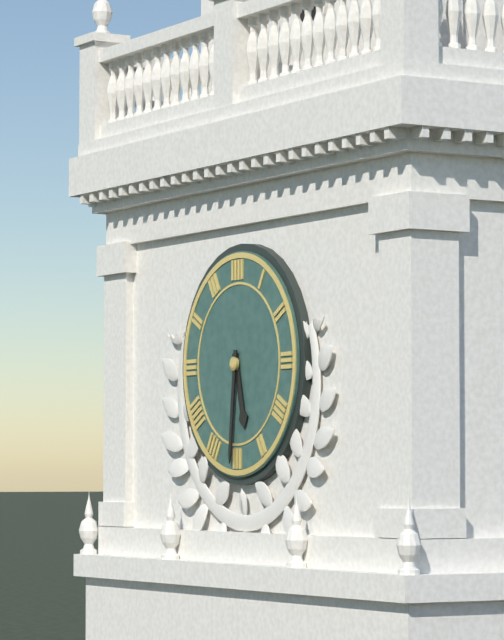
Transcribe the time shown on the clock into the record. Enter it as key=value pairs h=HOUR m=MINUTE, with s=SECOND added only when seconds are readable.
h=5 m=31
